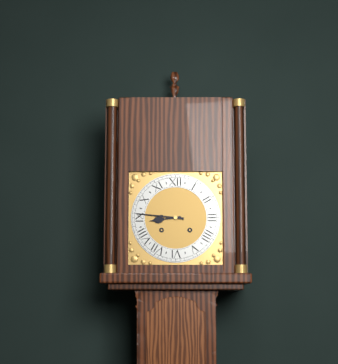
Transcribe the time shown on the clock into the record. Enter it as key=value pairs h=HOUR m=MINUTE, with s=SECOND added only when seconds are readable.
h=8 m=46
